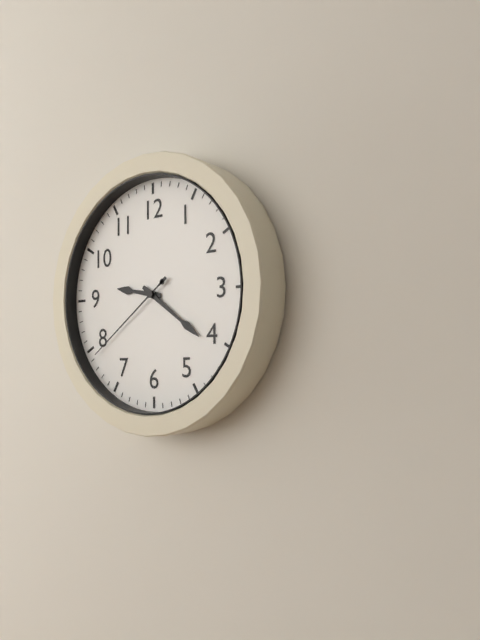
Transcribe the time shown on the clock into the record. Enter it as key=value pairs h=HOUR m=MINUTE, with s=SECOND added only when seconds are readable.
h=9 m=21 s=39
